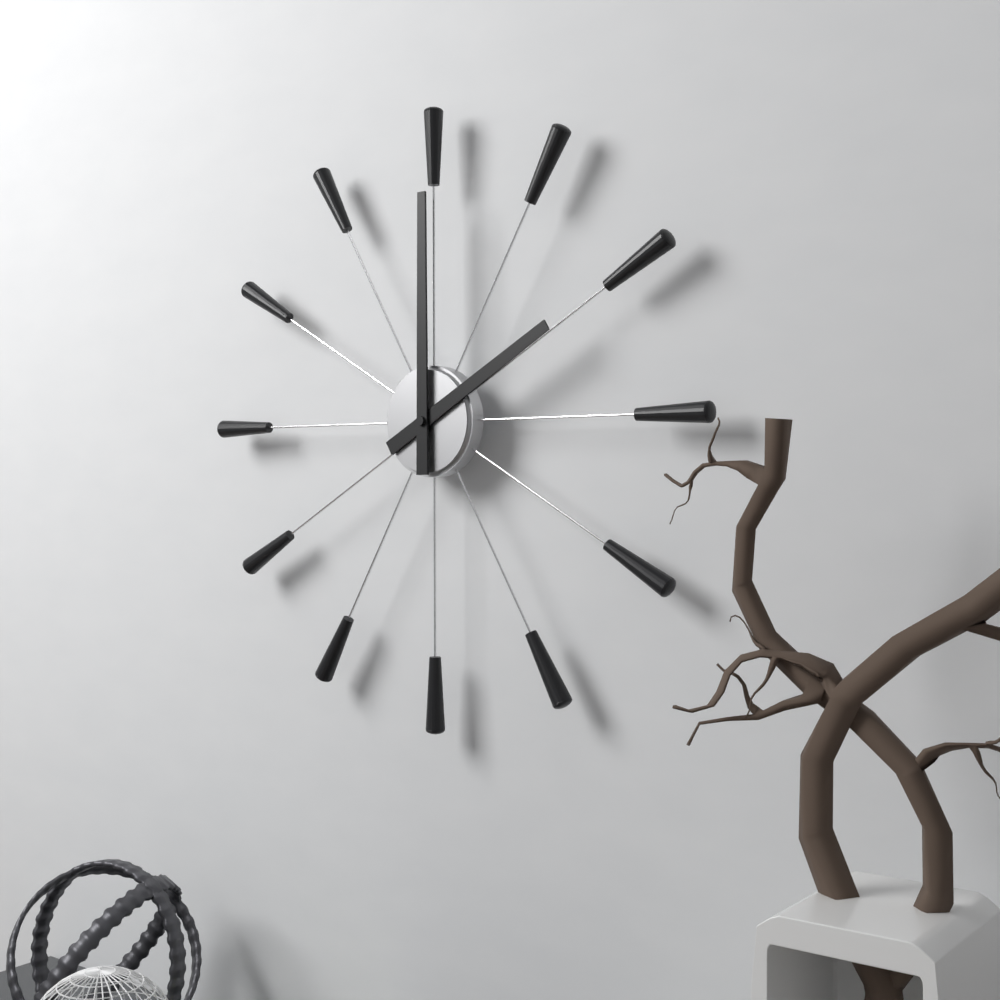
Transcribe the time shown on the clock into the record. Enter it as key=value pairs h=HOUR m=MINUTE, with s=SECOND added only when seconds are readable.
h=2 m=0
